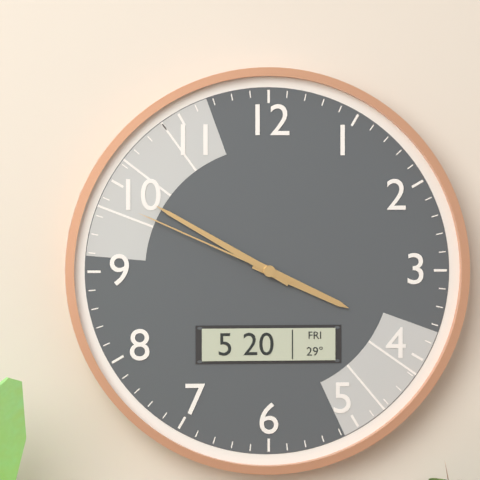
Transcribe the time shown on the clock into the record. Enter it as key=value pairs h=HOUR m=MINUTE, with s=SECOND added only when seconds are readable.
h=3 m=50 s=49
